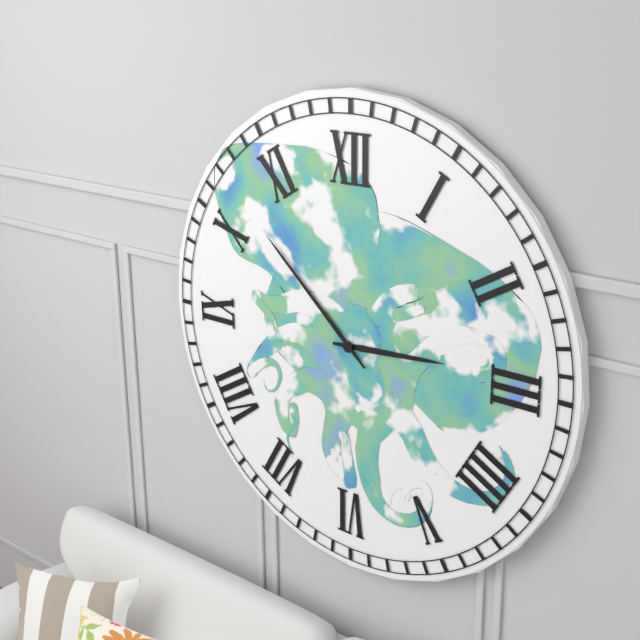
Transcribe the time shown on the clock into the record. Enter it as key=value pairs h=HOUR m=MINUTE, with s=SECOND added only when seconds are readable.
h=2 m=52
